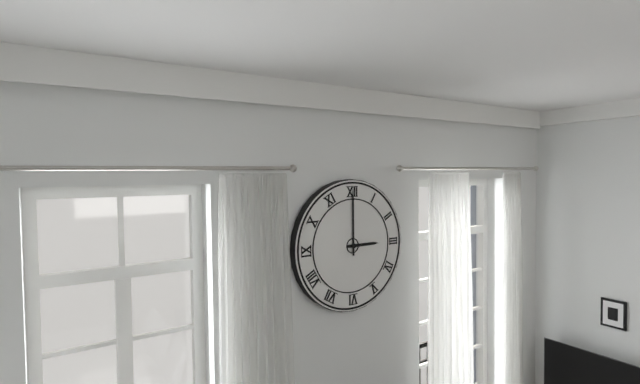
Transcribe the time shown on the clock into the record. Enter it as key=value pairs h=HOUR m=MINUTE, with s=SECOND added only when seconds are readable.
h=3 m=0
